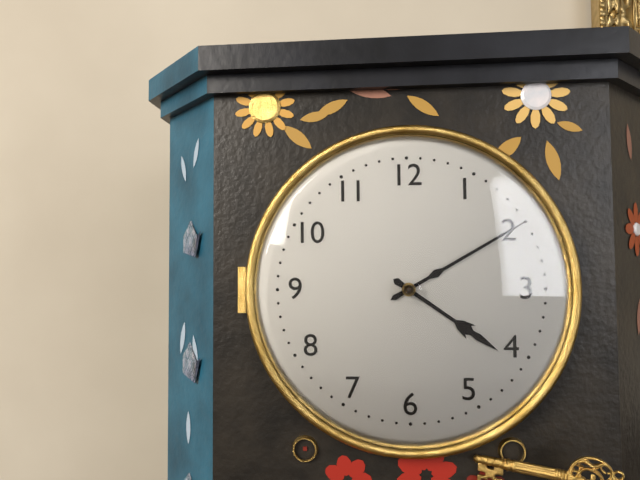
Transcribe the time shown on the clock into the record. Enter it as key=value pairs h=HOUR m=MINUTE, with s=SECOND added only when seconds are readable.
h=4 m=10
